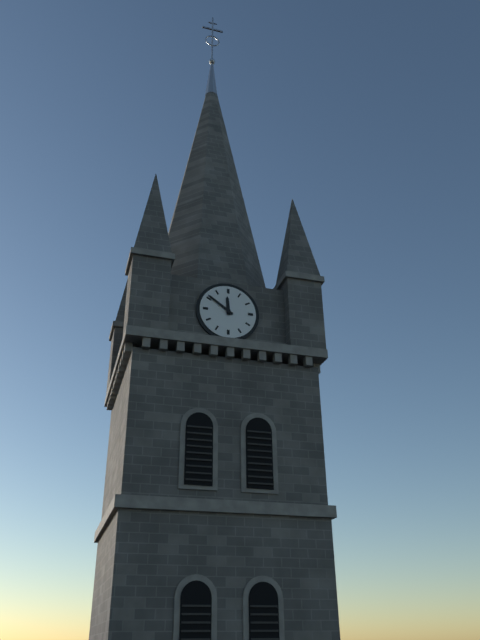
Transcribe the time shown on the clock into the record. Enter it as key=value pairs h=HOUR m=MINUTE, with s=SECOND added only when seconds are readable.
h=11 m=51
